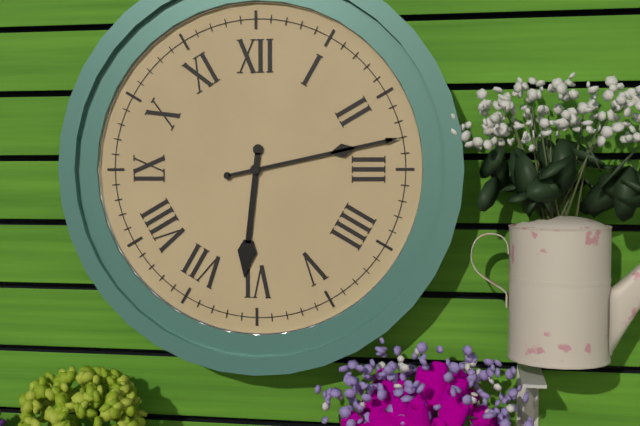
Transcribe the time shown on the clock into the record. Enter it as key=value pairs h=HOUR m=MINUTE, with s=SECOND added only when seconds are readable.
h=6 m=13
